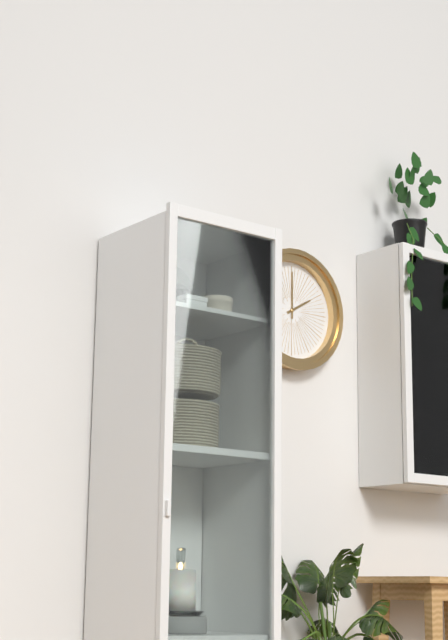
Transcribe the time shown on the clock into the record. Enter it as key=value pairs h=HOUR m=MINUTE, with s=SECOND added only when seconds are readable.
h=2 m=0
